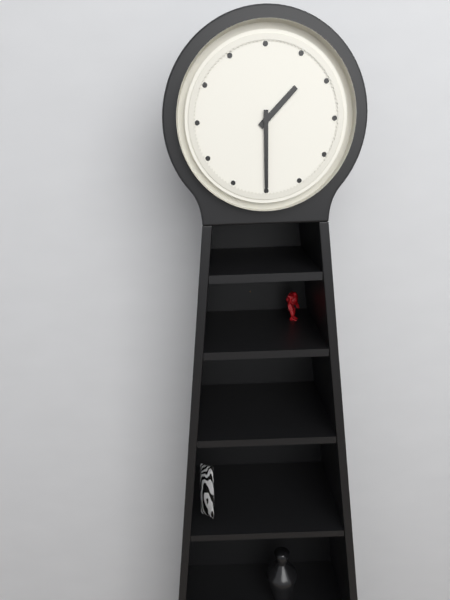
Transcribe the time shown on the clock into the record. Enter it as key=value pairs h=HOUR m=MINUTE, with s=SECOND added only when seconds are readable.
h=1 m=30
